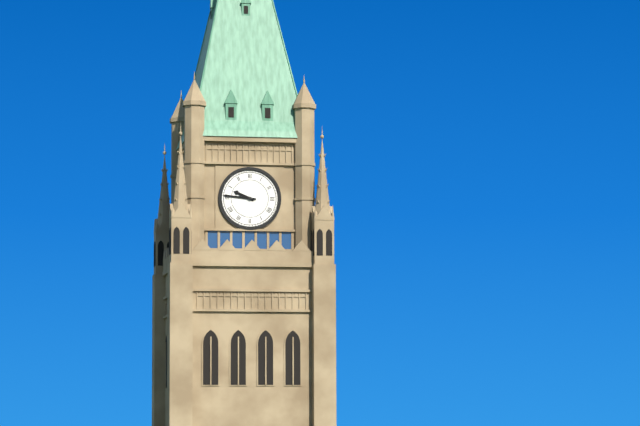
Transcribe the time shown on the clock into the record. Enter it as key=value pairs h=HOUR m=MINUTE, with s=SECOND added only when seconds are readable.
h=9 m=46
